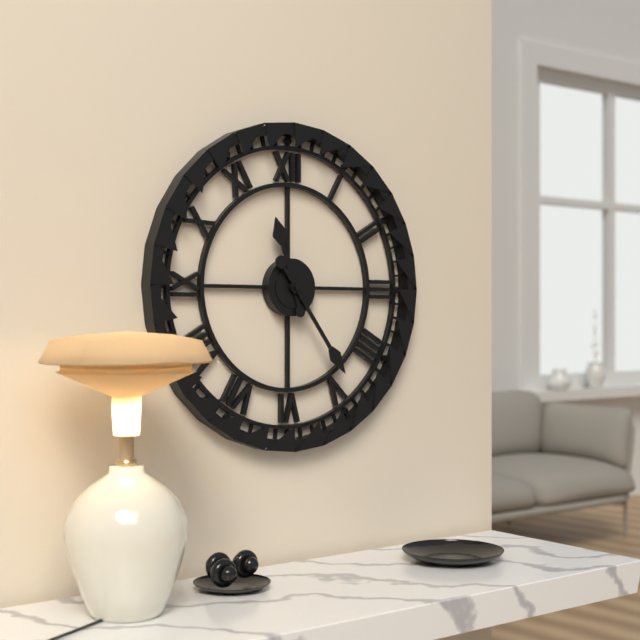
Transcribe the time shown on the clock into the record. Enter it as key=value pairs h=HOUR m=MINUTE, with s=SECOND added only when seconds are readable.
h=11 m=24
